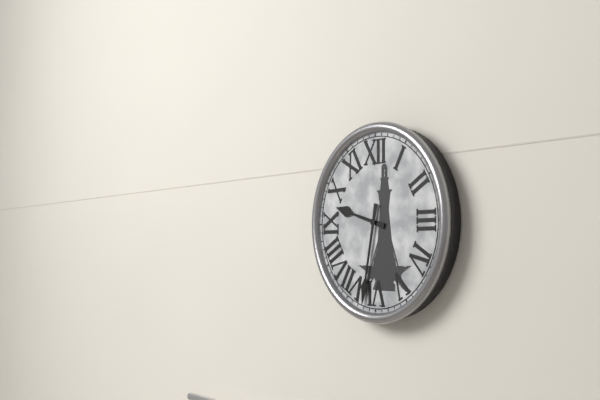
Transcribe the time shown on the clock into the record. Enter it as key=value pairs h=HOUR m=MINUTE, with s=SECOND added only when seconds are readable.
h=9 m=32
